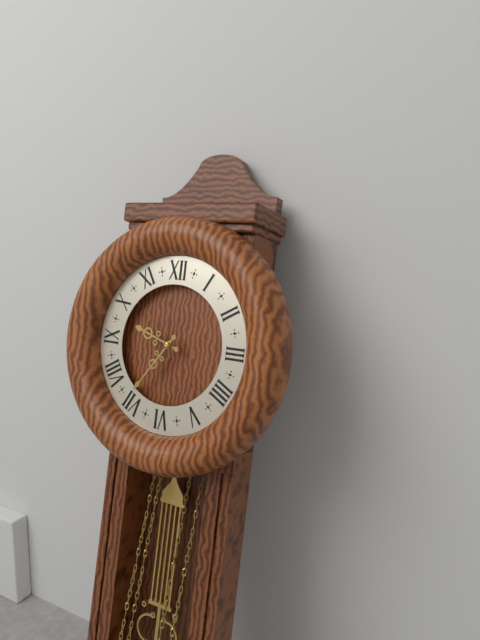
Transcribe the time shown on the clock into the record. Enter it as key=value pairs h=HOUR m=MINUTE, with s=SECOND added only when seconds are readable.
h=9 m=36
